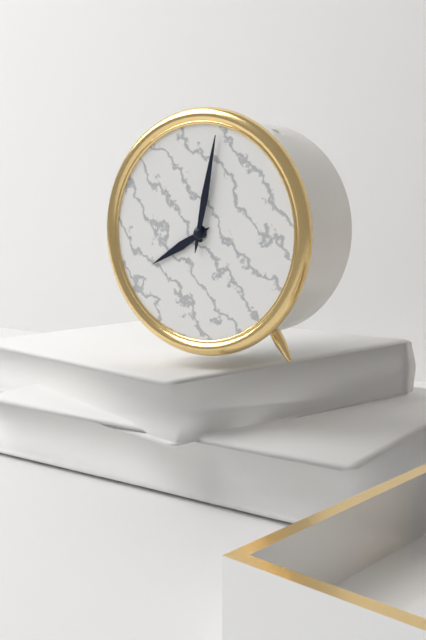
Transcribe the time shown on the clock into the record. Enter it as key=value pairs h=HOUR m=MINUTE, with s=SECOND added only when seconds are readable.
h=8 m=2
